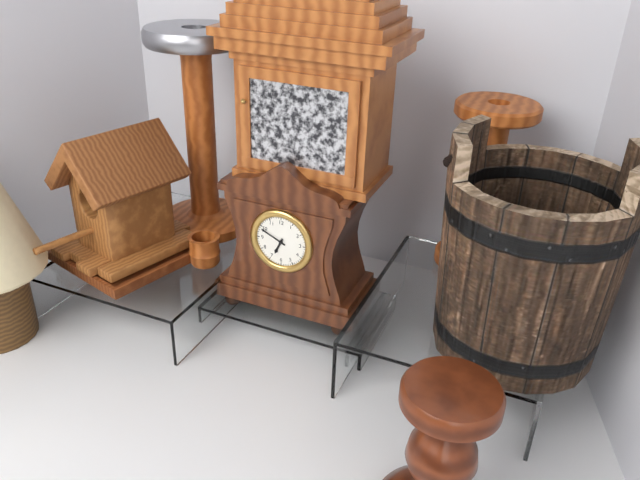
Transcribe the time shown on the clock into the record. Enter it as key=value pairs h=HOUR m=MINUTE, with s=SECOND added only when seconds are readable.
h=6 m=49
